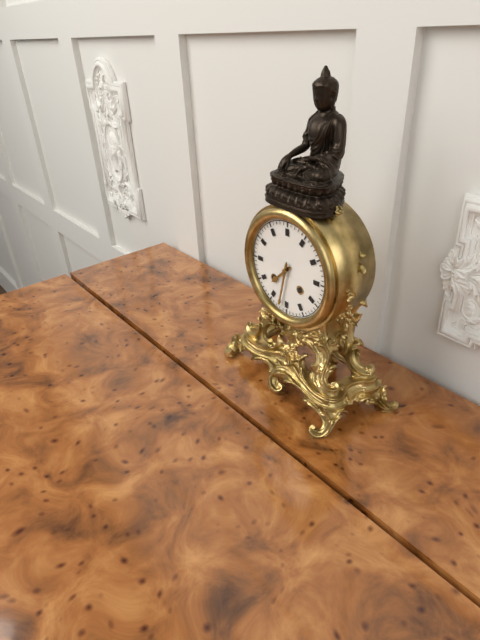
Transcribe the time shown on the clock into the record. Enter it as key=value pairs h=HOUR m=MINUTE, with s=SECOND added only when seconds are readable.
h=7 m=32
